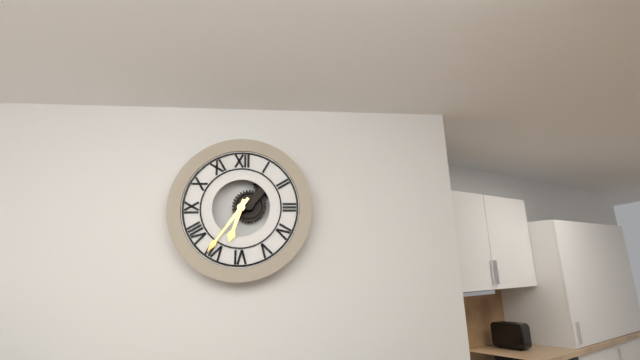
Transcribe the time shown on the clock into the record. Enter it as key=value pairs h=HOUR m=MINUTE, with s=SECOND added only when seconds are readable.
h=6 m=36
